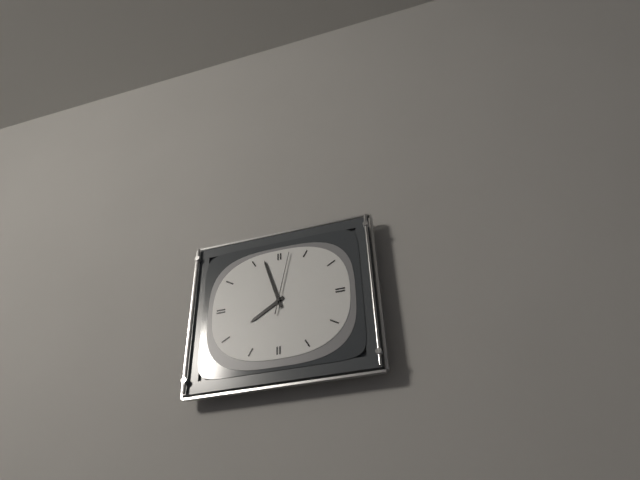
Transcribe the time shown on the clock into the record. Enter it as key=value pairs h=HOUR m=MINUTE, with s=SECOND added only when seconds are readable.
h=7 m=57 s=2
